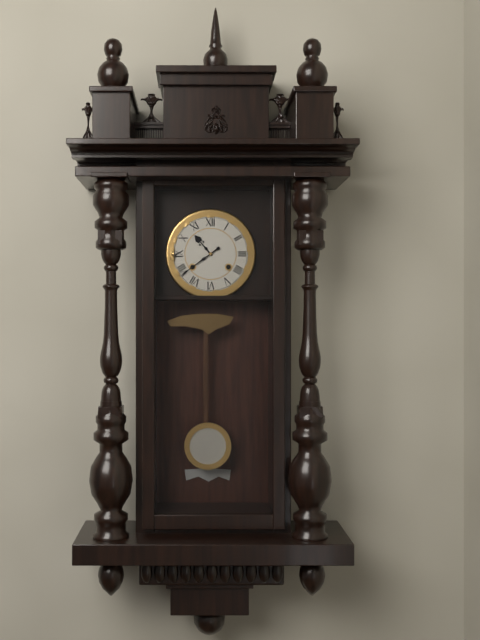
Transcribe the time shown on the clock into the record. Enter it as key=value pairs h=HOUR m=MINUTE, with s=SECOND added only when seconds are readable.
h=10 m=39
